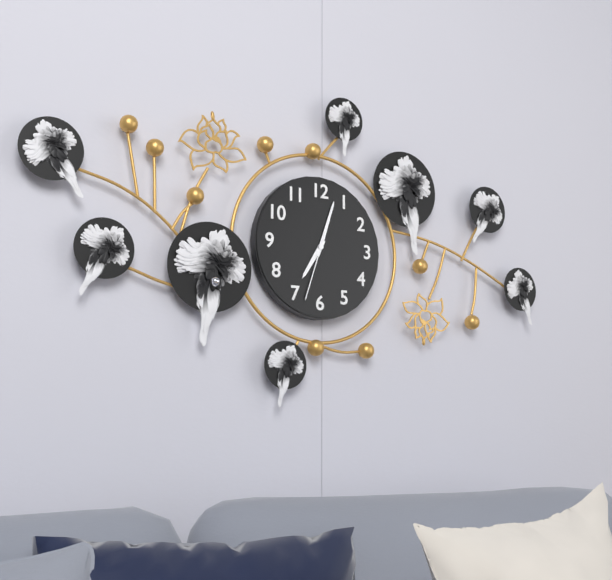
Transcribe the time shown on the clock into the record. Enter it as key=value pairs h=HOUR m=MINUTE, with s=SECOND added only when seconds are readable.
h=7 m=3 s=33
